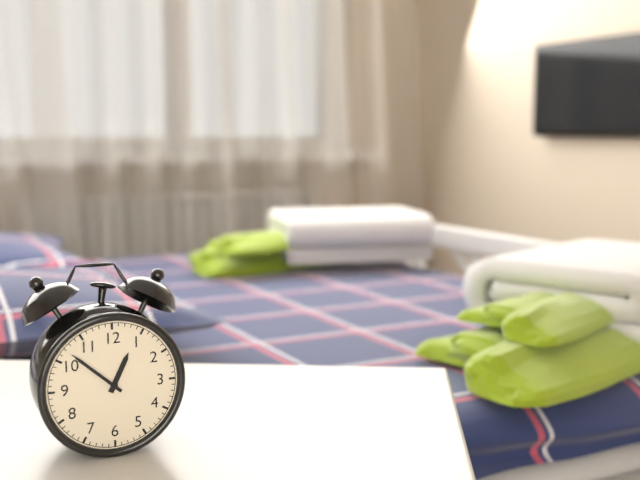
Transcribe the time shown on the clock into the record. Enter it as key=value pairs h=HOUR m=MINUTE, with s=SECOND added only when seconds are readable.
h=12 m=52
